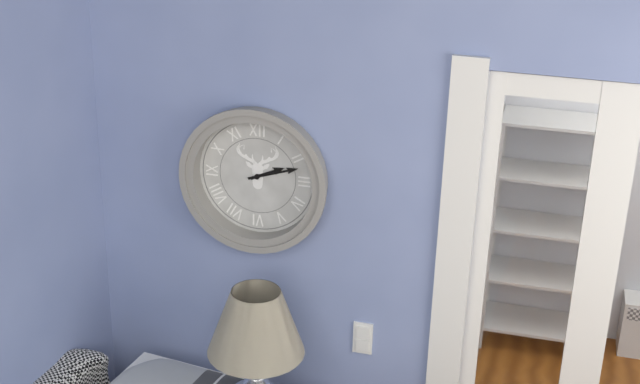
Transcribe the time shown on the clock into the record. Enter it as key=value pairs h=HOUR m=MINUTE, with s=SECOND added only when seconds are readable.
h=2 m=12
